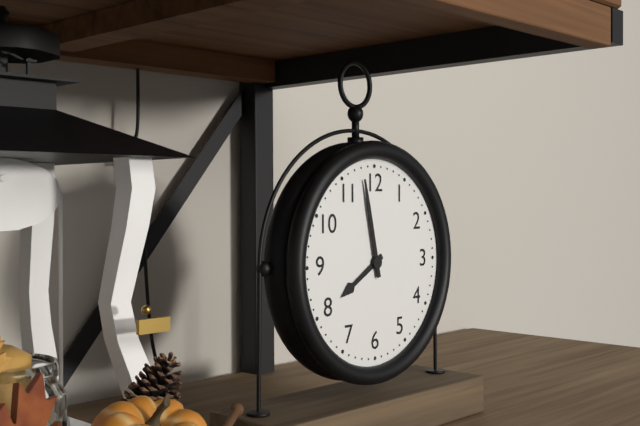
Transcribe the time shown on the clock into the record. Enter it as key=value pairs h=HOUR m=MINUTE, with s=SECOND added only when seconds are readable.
h=7 m=58
